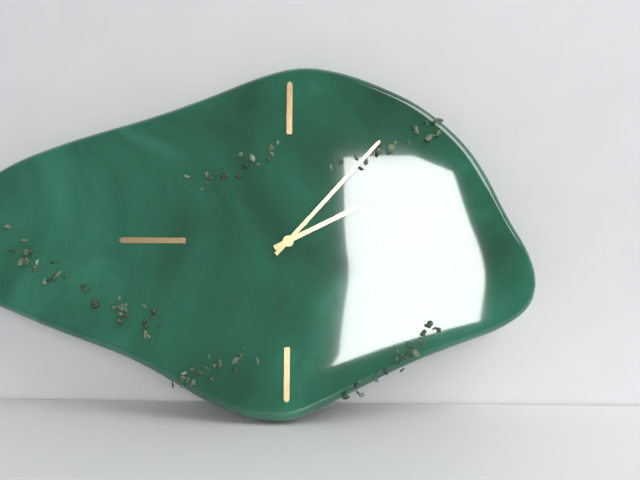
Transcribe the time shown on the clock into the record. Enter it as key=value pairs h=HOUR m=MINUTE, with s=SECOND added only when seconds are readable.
h=2 m=7
